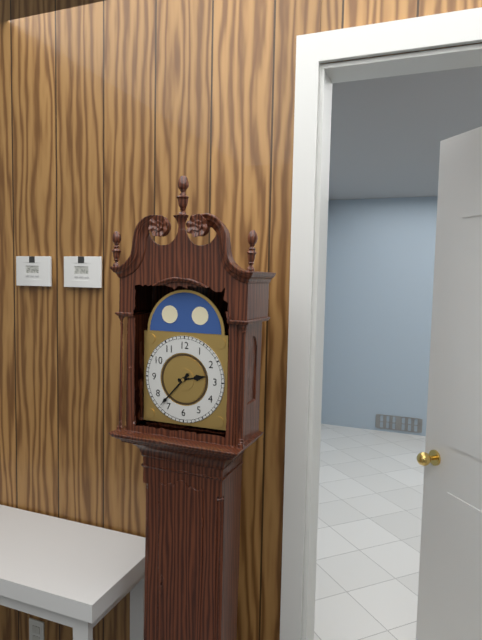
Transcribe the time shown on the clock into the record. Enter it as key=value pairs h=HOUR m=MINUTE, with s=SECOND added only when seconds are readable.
h=2 m=37
